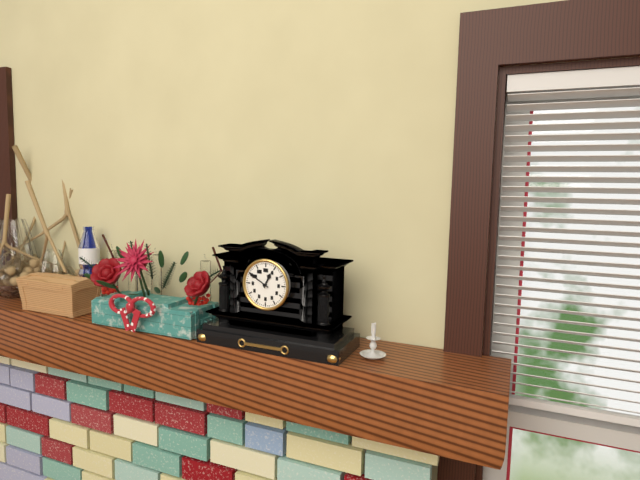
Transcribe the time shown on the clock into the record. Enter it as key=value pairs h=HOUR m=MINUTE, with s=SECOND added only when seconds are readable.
h=12 m=50
